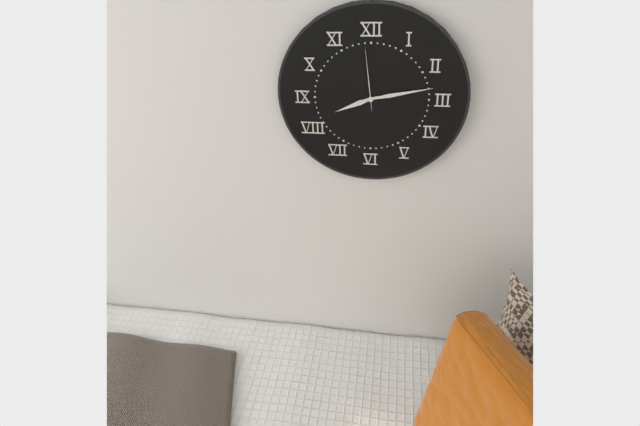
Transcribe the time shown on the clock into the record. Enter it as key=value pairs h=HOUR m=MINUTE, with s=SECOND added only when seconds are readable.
h=8 m=13 s=59
